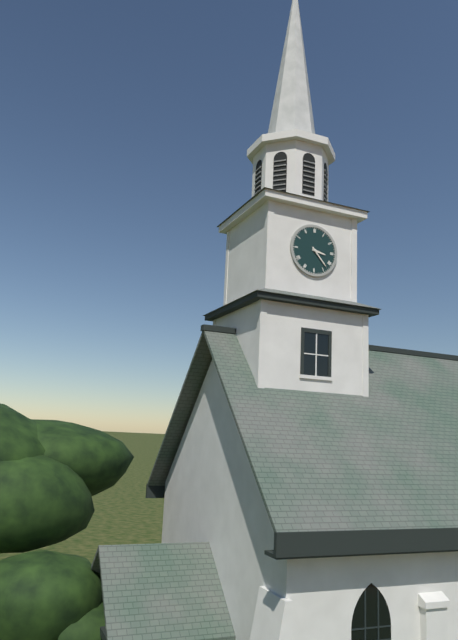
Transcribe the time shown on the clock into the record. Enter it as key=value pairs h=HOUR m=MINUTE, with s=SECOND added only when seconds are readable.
h=3 m=23
